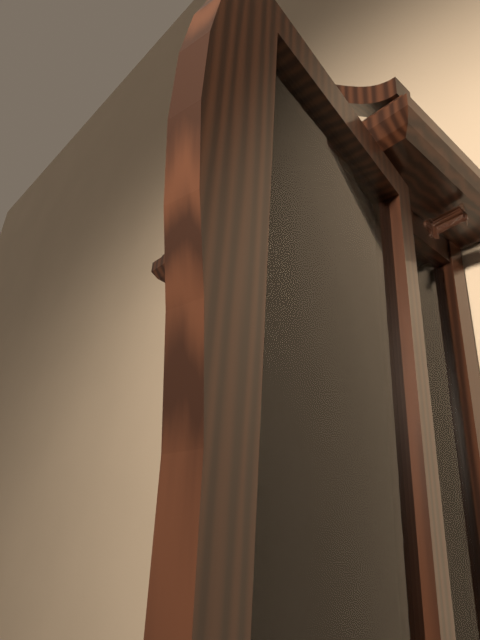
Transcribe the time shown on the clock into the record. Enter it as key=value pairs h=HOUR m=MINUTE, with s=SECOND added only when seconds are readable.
h=3 m=48
